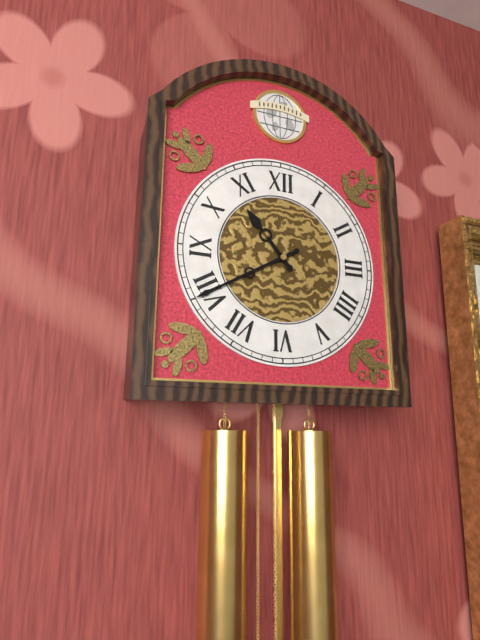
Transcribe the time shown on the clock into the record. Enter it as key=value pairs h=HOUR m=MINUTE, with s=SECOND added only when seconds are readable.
h=10 m=40
